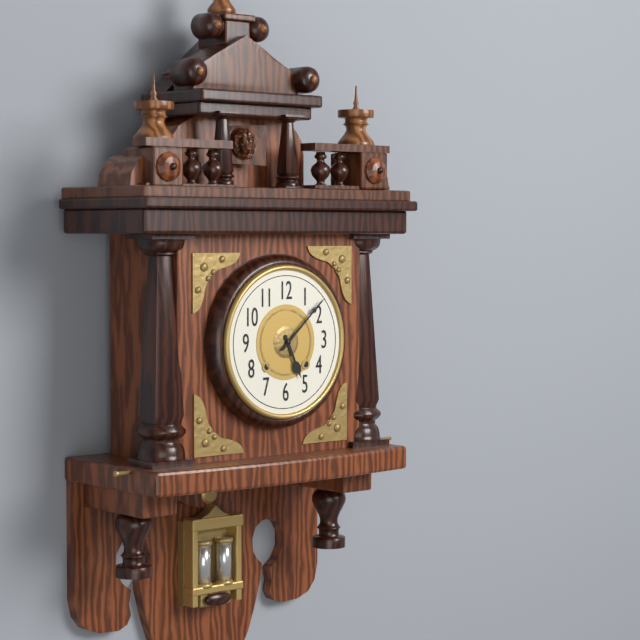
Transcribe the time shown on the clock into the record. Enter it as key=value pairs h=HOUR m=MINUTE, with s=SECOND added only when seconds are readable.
h=5 m=8
